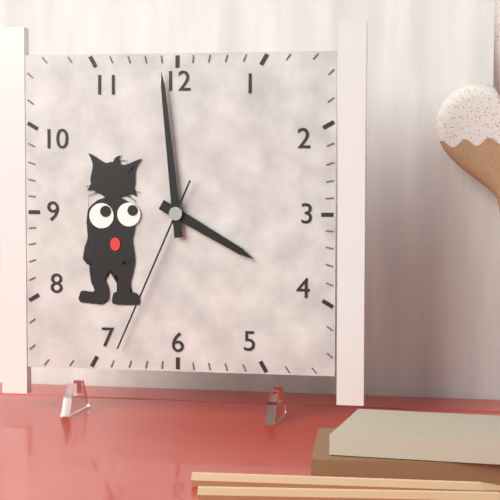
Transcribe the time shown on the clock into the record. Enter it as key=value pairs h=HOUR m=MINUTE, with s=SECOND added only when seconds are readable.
h=3 m=59 s=34
